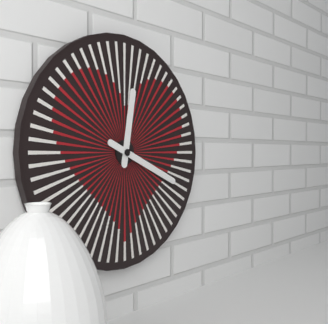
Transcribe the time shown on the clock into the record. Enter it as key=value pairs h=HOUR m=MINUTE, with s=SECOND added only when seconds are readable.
h=12 m=19
